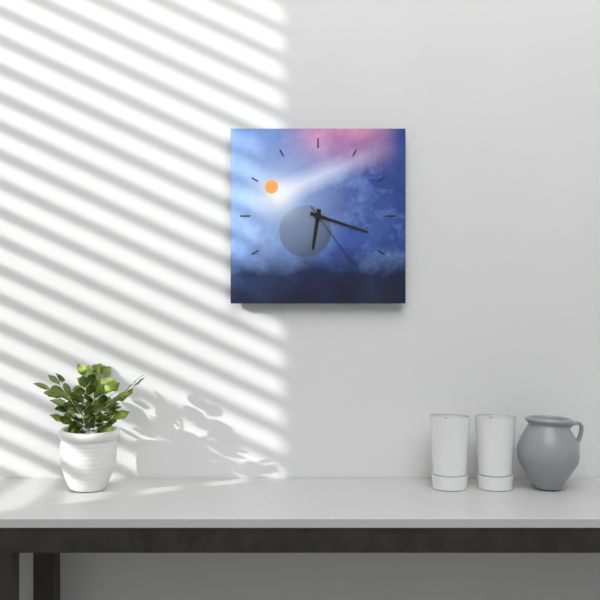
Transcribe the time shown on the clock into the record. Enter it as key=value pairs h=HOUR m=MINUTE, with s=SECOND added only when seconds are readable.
h=6 m=18 s=24
